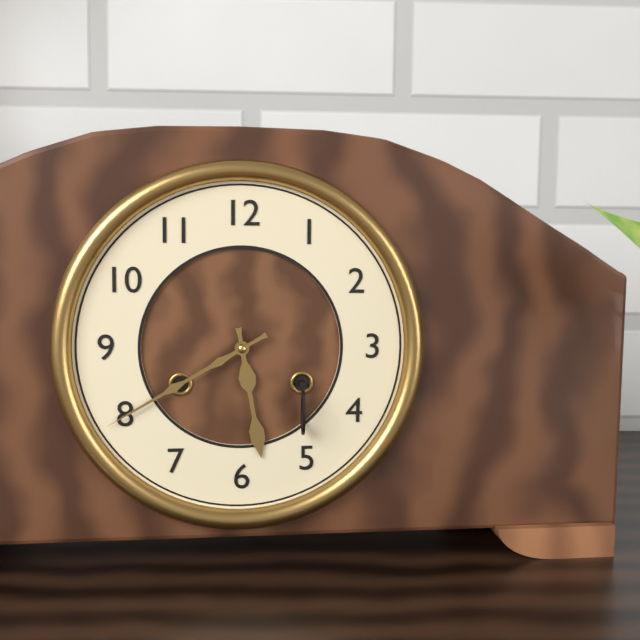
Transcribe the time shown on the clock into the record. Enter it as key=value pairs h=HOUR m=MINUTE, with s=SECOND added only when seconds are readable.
h=5 m=40
